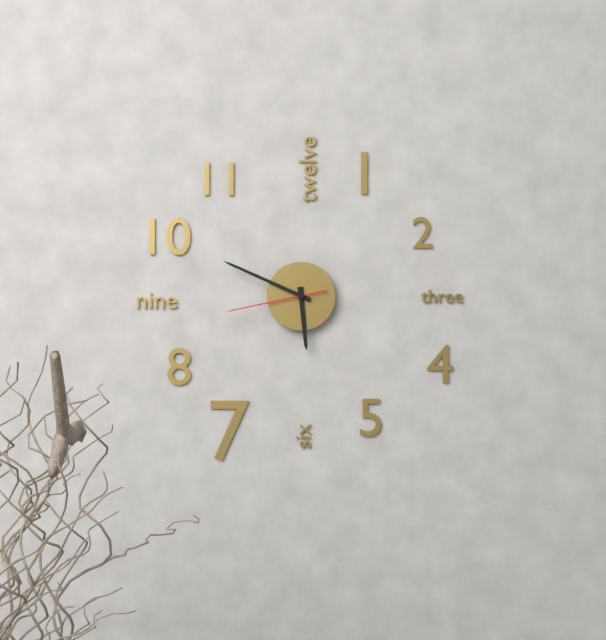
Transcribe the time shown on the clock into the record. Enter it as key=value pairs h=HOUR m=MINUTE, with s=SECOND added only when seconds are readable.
h=5 m=49 s=43
